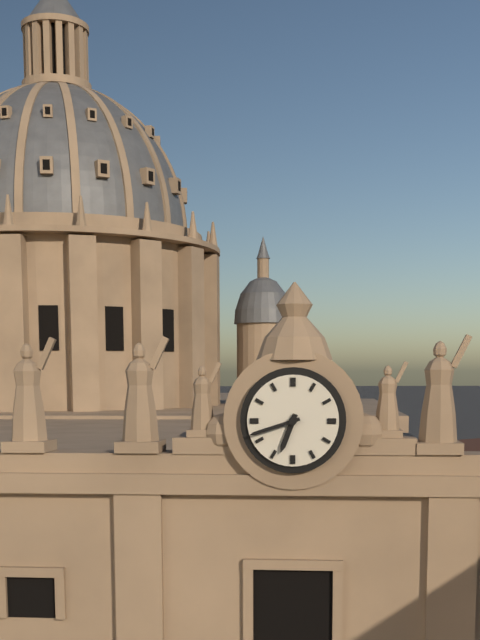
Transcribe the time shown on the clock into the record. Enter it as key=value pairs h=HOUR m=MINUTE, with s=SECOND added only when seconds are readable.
h=6 m=42
